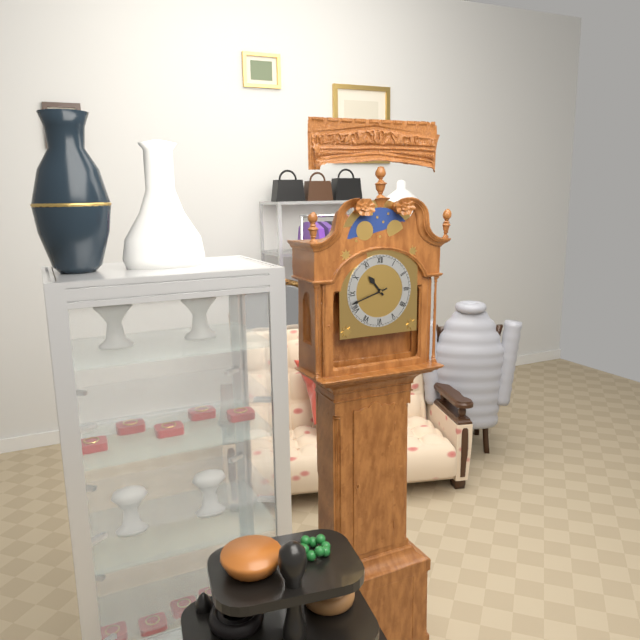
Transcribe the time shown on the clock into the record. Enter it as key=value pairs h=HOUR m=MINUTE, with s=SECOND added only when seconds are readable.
h=10 m=42
